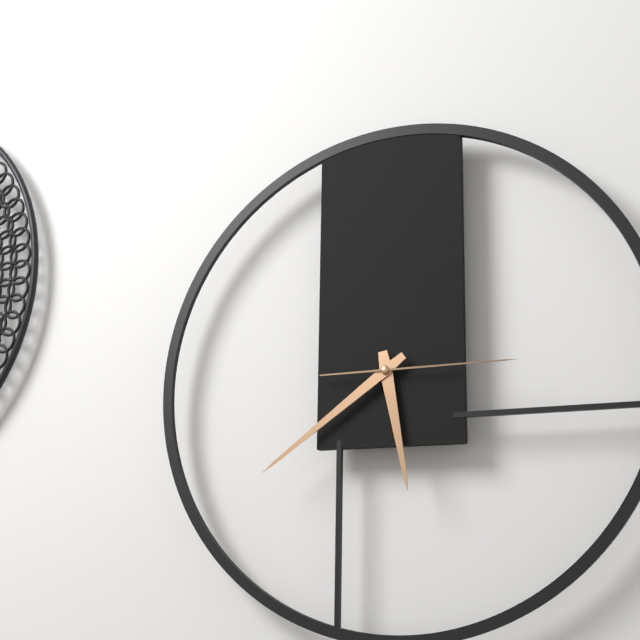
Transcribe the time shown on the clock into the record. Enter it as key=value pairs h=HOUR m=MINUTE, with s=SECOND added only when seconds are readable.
h=5 m=39 s=15
